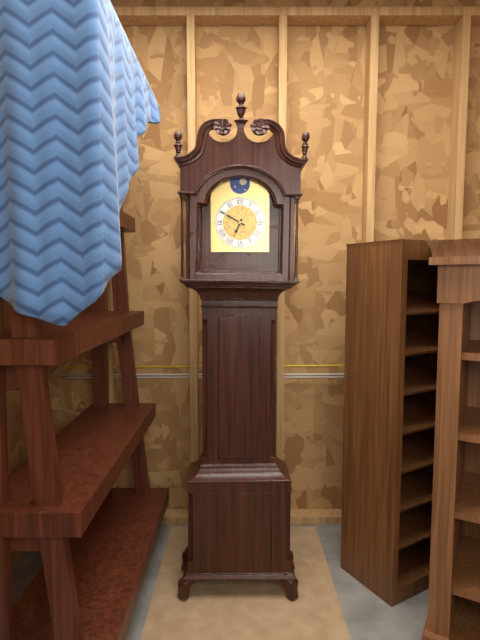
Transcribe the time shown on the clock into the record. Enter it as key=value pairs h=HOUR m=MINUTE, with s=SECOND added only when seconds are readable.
h=6 m=50
